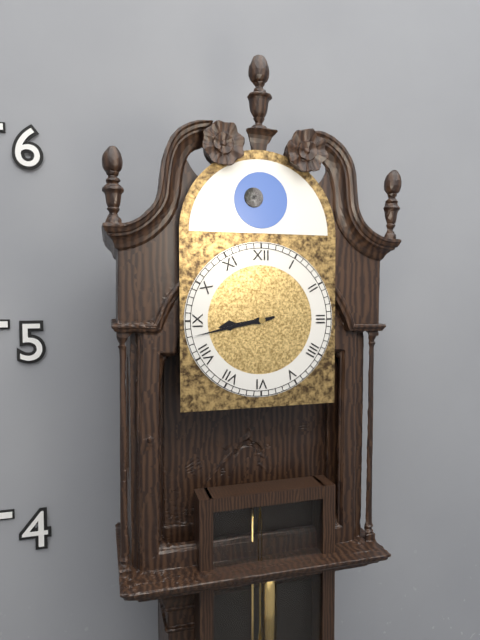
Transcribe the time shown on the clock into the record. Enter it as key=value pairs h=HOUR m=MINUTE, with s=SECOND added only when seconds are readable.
h=8 m=43
